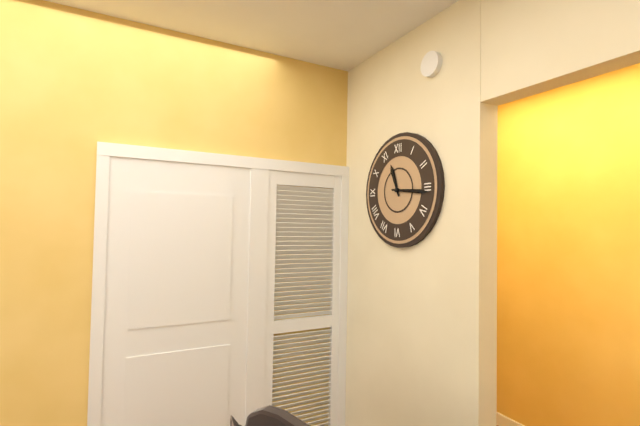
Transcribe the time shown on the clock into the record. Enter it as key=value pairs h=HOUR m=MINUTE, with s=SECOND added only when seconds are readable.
h=11 m=16
